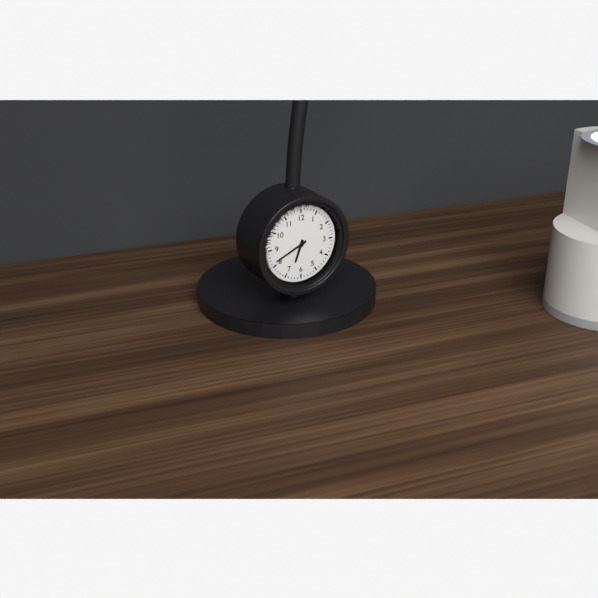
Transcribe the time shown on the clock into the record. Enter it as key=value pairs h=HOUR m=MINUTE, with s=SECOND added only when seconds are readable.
h=6 m=41
